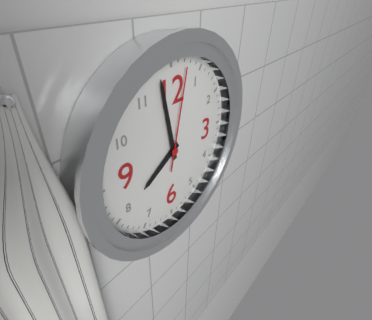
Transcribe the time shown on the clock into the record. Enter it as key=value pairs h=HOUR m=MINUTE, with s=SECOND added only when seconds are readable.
h=7 m=58 s=2
